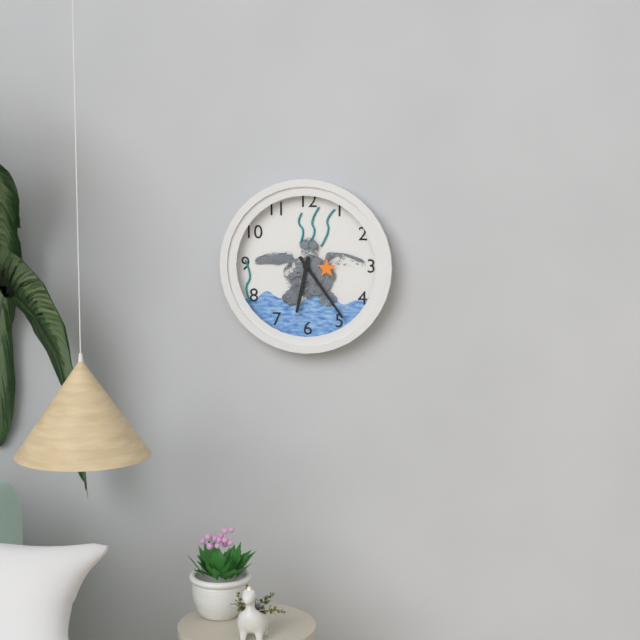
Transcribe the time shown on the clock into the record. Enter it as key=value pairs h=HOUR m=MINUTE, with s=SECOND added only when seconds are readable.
h=6 m=24
